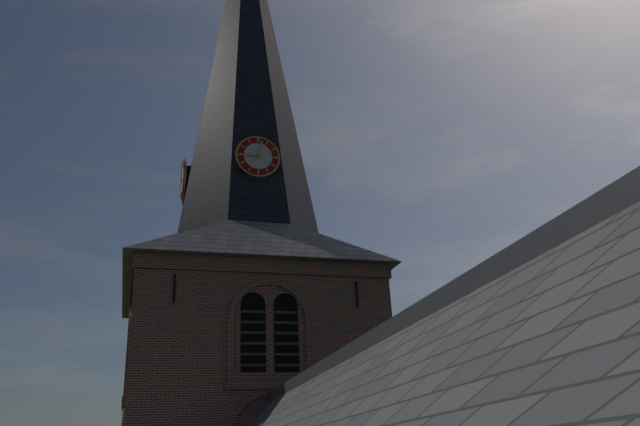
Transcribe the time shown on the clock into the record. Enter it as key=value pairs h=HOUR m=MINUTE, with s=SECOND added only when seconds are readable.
h=9 m=2
